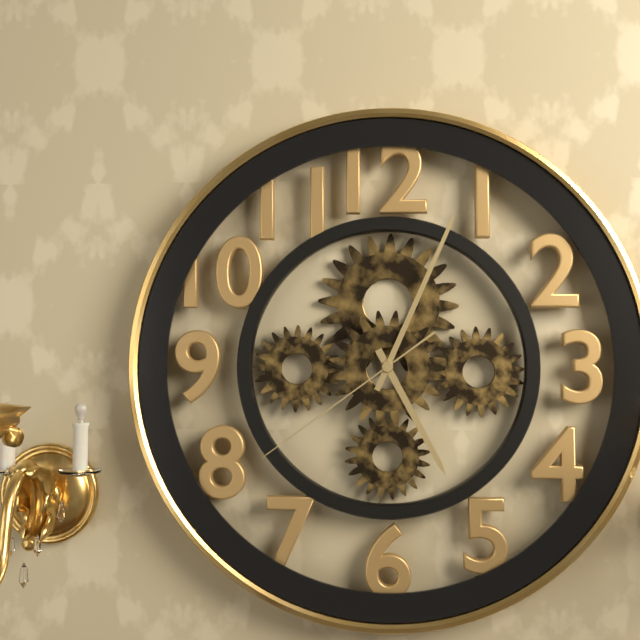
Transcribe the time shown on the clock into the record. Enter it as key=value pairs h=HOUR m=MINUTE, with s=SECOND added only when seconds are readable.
h=5 m=4 s=39
